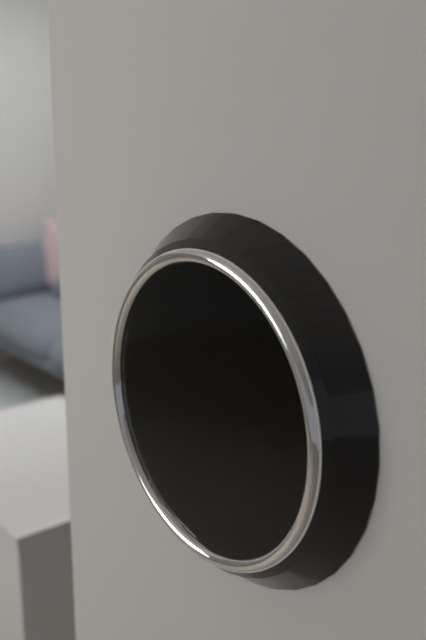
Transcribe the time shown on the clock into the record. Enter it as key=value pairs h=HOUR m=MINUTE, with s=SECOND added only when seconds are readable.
h=2 m=12
